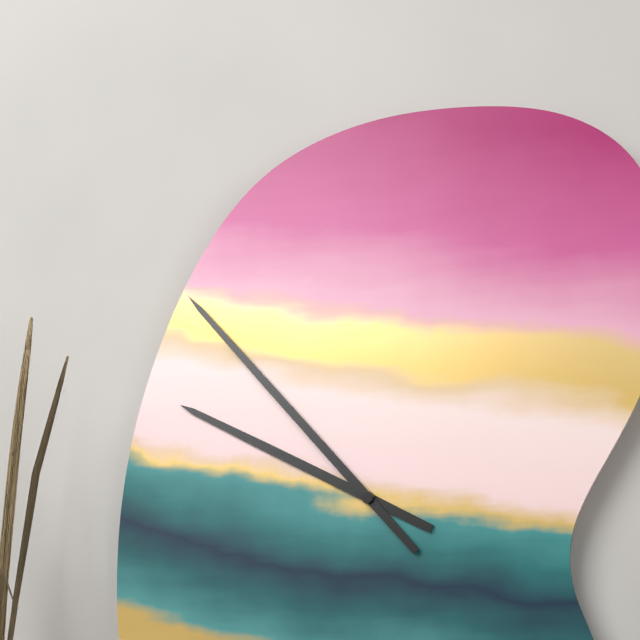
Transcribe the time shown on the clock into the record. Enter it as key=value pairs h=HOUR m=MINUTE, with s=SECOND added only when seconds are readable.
h=9 m=53
